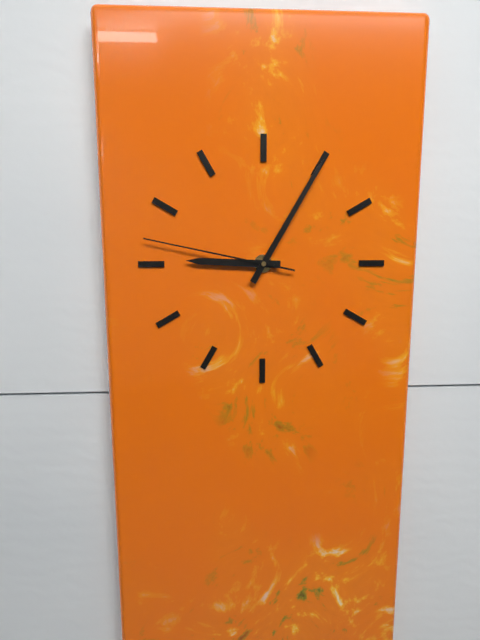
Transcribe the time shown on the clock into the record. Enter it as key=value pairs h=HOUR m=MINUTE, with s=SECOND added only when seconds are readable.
h=9 m=5 s=47
